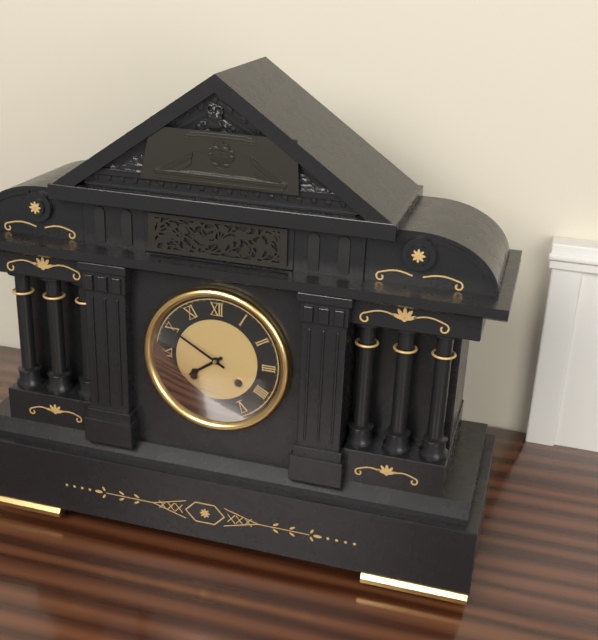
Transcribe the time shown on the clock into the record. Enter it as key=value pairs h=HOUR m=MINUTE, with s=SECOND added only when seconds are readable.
h=7 m=50
